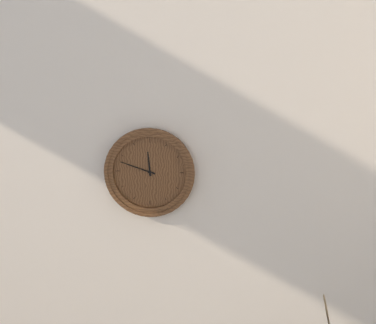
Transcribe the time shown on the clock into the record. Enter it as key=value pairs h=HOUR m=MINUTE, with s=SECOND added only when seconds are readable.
h=11 m=48
